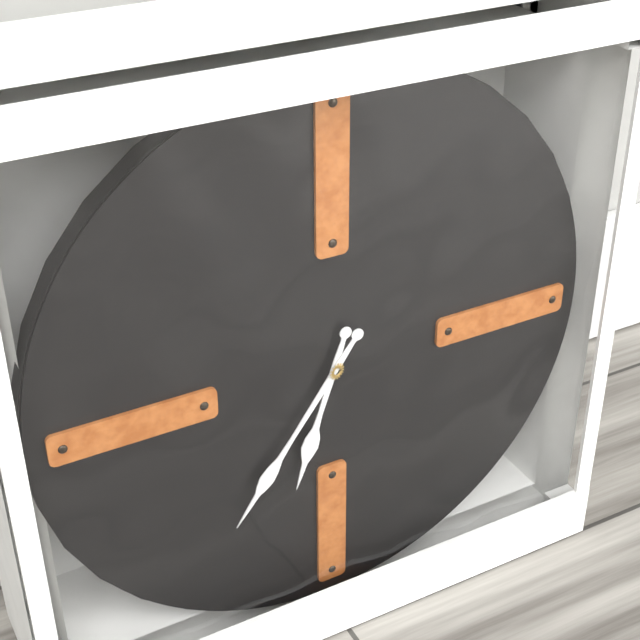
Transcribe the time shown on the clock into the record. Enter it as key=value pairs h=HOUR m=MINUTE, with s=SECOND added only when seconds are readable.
h=6 m=36
